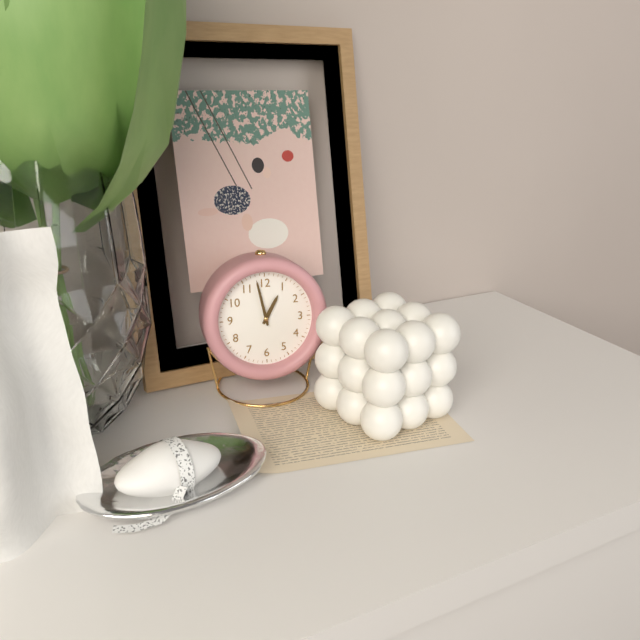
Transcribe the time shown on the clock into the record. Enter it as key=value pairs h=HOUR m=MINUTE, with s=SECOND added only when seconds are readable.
h=12 m=58
